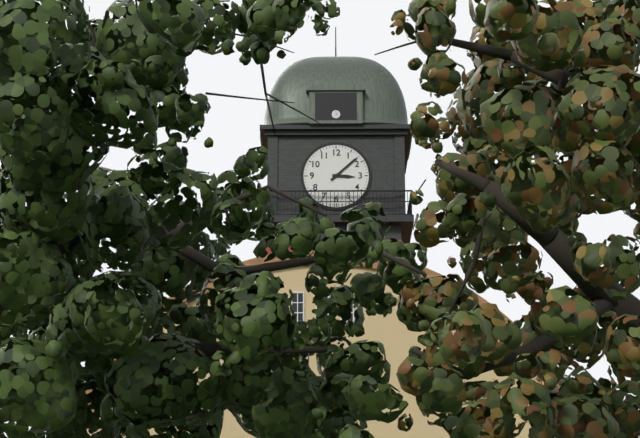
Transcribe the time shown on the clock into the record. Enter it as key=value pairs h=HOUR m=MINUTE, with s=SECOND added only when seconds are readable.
h=3 m=8
